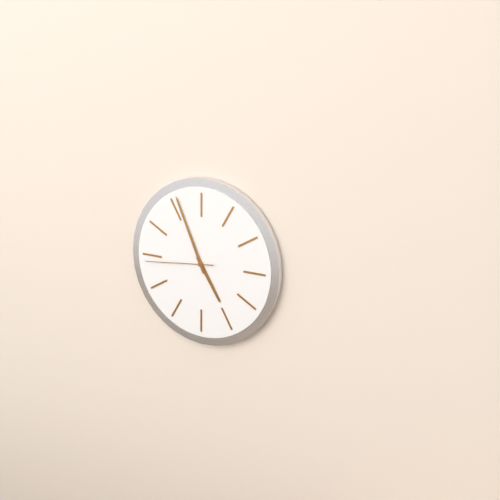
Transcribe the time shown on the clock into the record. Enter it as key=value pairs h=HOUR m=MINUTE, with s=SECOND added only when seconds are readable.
h=4 m=56 s=44
